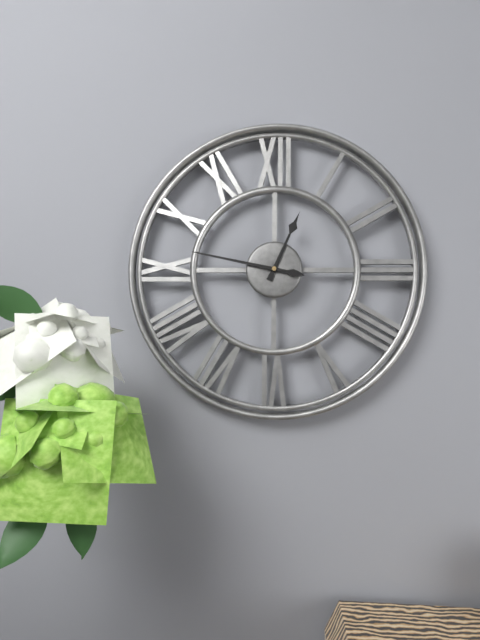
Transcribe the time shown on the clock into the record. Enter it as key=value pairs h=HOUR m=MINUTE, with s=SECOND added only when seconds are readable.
h=12 m=47
